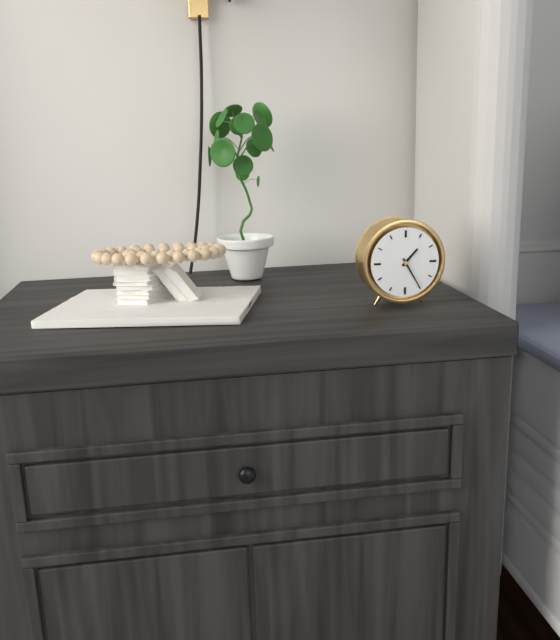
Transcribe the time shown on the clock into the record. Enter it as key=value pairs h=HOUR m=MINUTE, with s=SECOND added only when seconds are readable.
h=1 m=25
